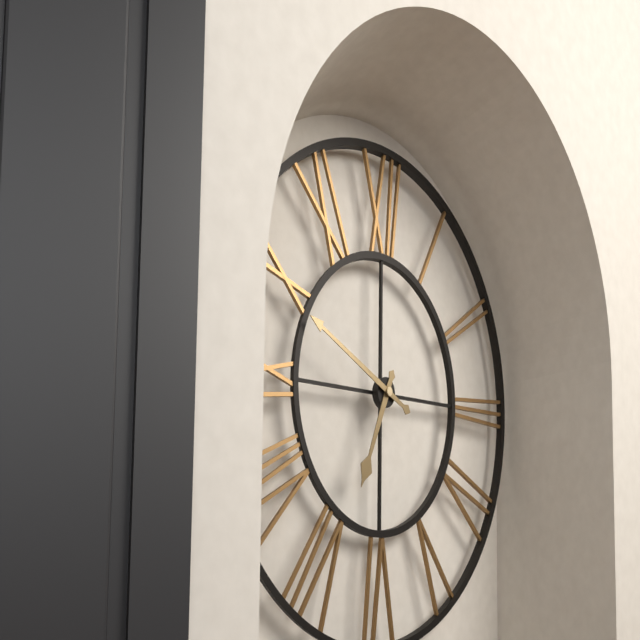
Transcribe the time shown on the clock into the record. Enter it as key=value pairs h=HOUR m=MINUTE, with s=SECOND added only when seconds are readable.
h=6 m=49
